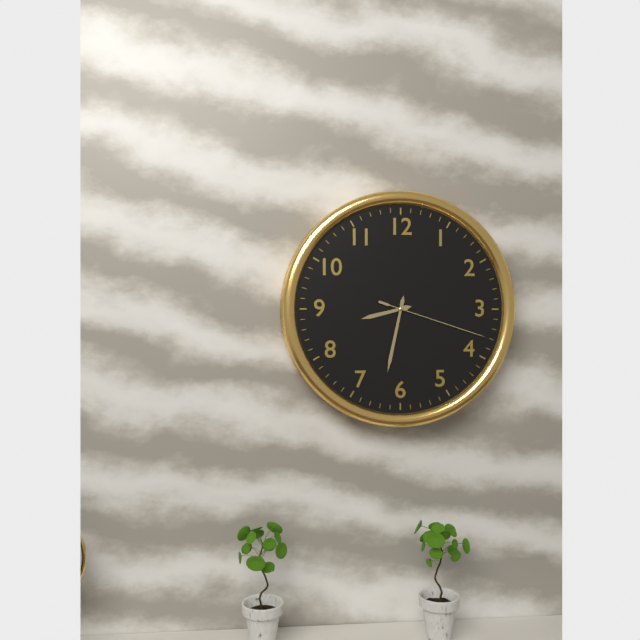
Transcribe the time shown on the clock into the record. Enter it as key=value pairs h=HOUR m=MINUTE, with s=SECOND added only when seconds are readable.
h=8 m=32 s=18
